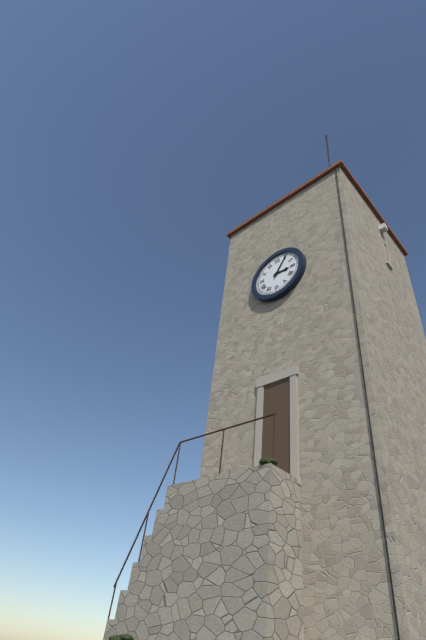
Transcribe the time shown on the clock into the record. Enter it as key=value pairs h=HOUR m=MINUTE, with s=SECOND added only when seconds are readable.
h=3 m=5
